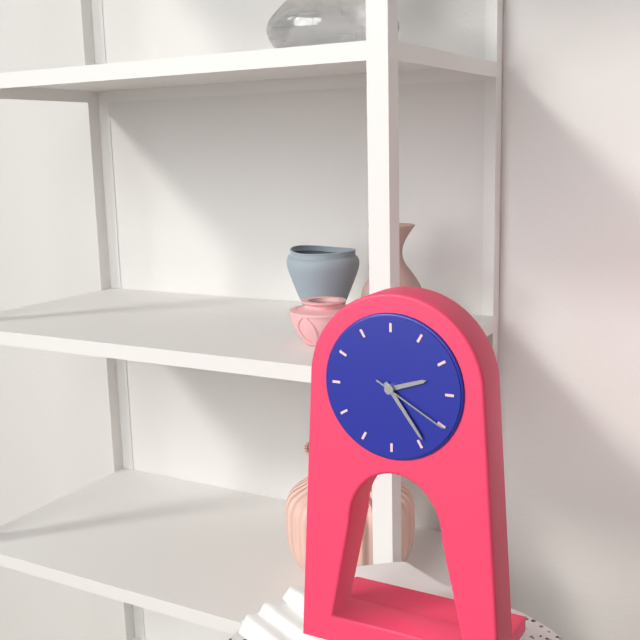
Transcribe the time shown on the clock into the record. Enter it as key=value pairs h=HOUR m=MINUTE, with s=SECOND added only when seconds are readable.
h=2 m=24 s=20
